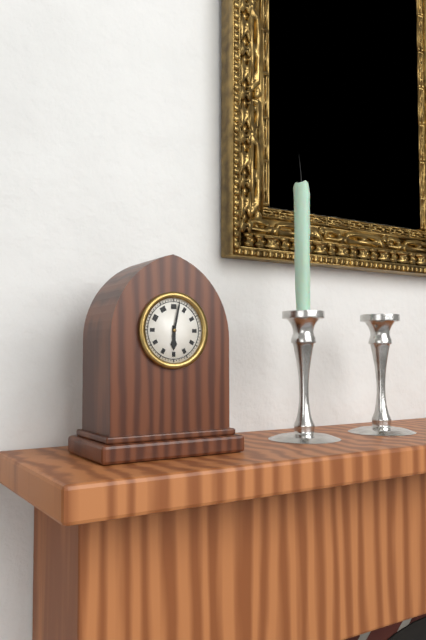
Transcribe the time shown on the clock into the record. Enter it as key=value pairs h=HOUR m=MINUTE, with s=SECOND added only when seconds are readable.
h=6 m=2
